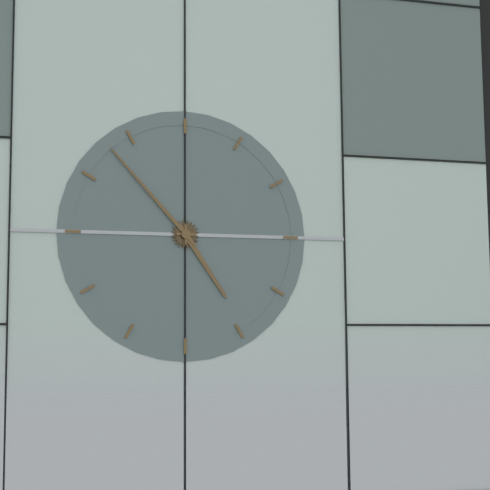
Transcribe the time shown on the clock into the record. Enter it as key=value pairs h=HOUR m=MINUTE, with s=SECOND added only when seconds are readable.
h=4 m=53
